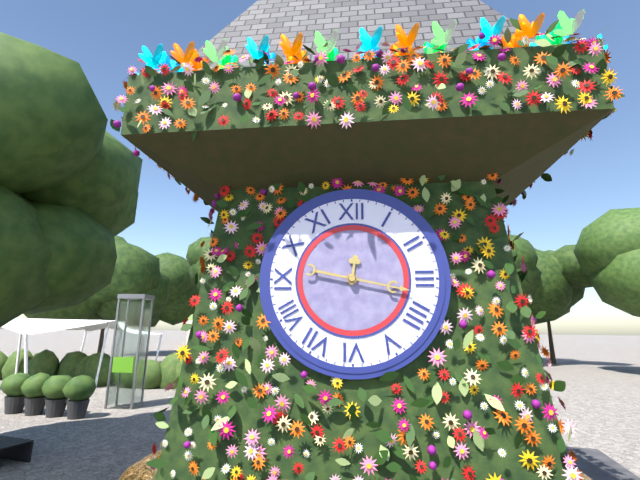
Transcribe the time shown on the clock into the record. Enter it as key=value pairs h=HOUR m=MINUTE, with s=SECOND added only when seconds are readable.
h=12 m=17
